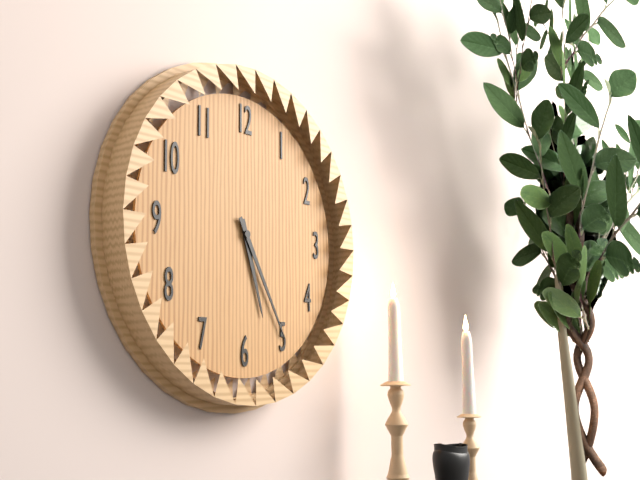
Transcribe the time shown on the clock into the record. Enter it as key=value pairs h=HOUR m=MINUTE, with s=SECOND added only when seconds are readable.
h=5 m=25
